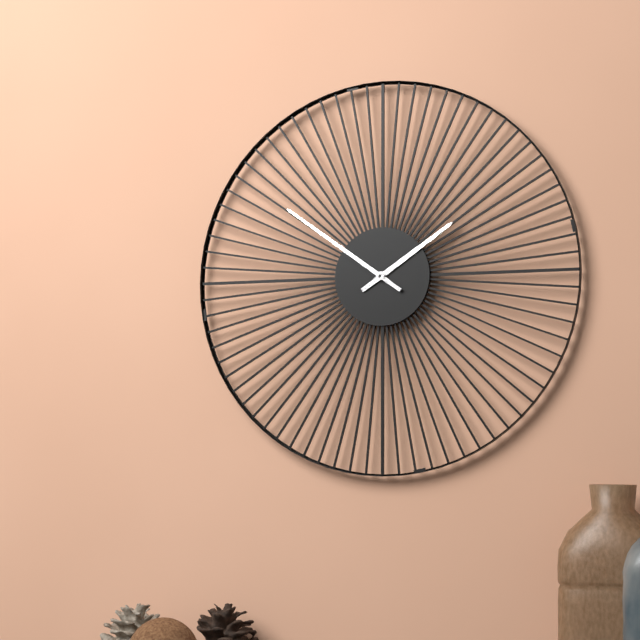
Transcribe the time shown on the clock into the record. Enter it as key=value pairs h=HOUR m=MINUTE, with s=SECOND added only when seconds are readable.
h=1 m=51
